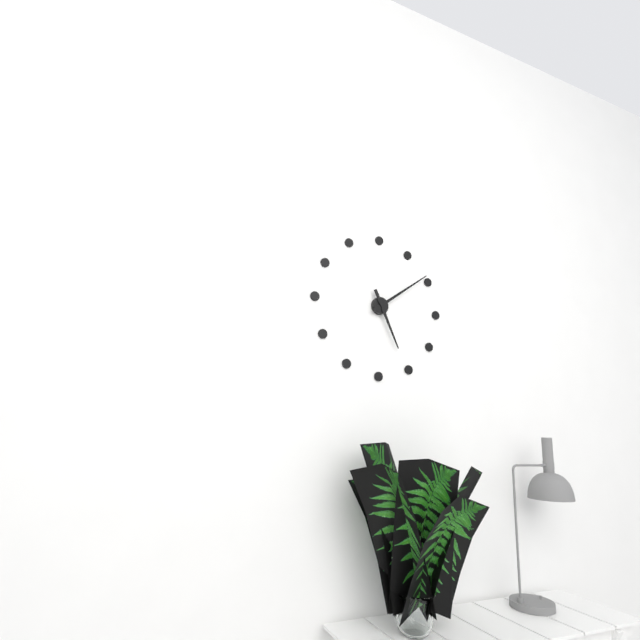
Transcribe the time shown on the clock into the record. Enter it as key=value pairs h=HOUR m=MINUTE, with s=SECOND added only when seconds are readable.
h=5 m=9
